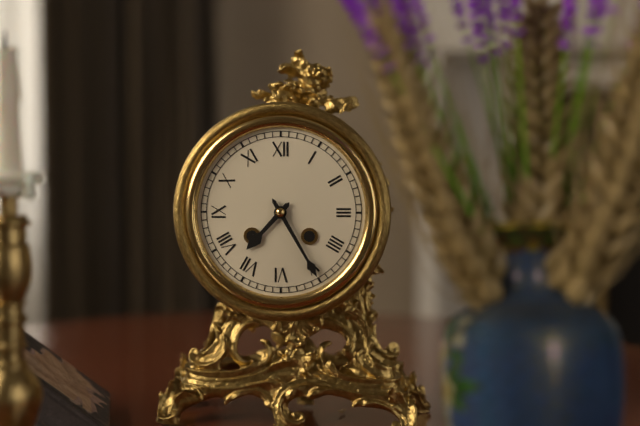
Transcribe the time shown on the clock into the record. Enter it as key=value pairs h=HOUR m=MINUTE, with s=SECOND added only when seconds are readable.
h=7 m=25
